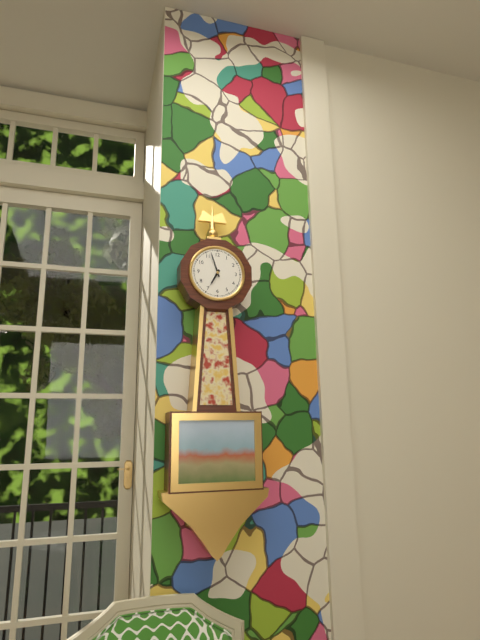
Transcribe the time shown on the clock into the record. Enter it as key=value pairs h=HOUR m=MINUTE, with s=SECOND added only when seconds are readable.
h=6 m=57
